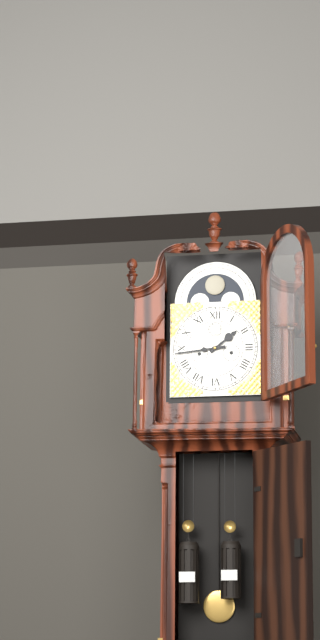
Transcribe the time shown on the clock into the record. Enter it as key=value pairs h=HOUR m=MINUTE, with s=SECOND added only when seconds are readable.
h=1 m=44
